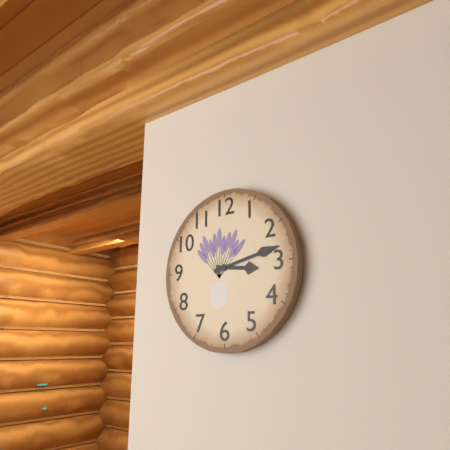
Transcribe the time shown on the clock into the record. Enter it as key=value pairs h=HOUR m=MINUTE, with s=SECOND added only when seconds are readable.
h=3 m=13
